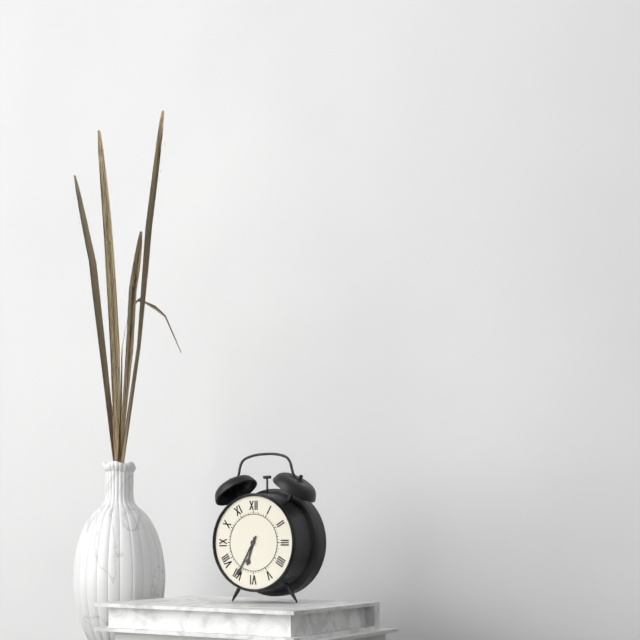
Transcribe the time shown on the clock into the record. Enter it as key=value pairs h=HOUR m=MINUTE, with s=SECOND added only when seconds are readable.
h=6 m=35
